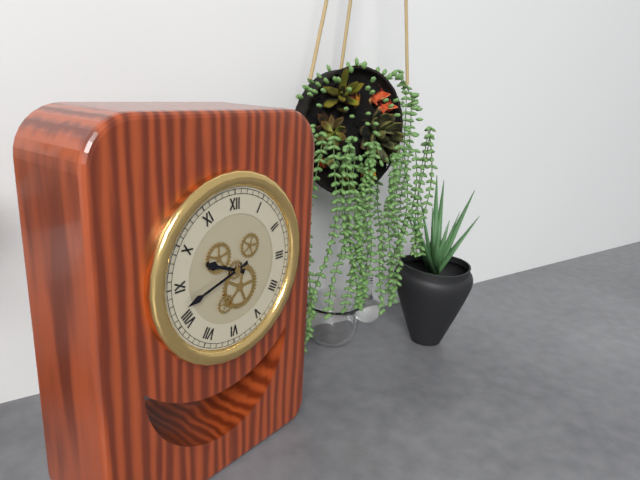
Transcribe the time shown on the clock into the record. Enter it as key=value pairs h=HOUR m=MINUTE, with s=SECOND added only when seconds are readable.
h=9 m=42
